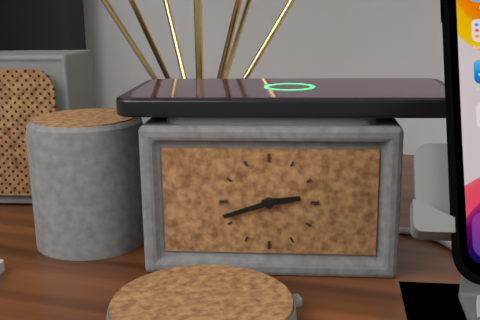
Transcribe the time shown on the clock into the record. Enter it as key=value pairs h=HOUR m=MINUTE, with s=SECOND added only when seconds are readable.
h=2 m=42
